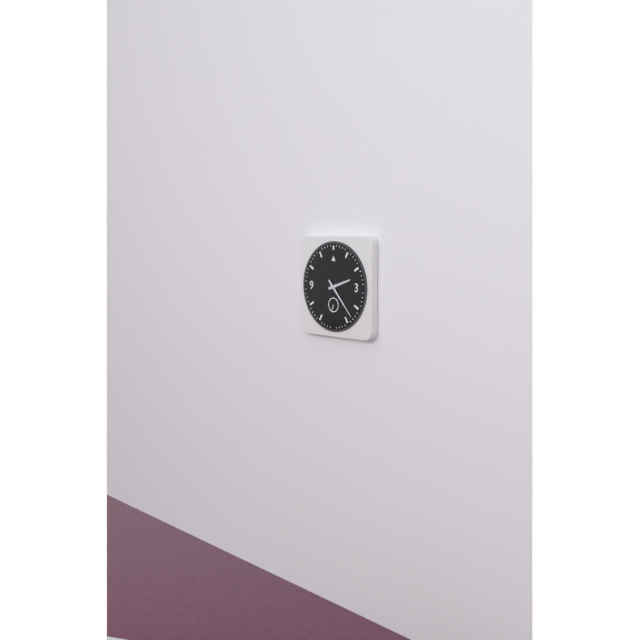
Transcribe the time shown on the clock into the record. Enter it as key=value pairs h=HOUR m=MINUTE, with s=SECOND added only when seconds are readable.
h=2 m=23
